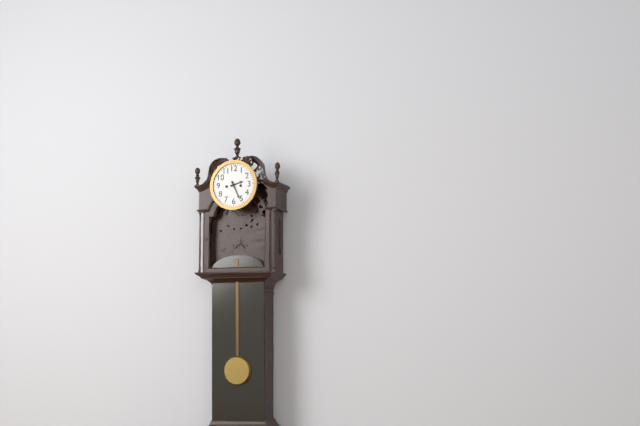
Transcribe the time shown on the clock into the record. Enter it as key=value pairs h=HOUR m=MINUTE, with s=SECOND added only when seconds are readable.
h=2 m=26
